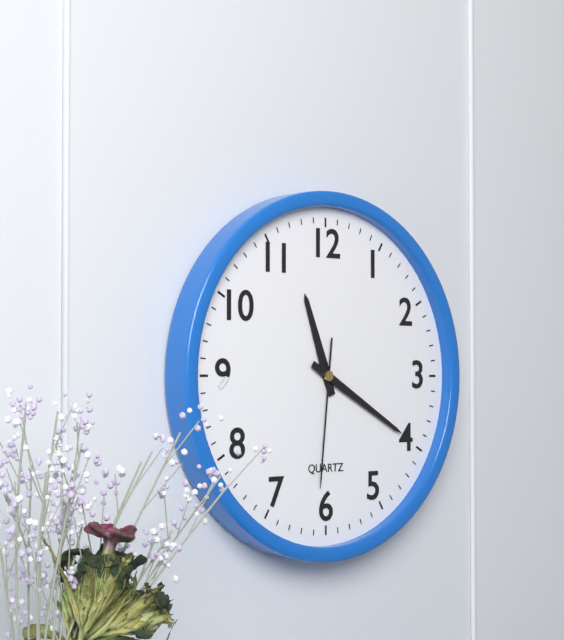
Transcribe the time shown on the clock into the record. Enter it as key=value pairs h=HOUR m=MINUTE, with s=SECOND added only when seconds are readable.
h=11 m=20 s=31
